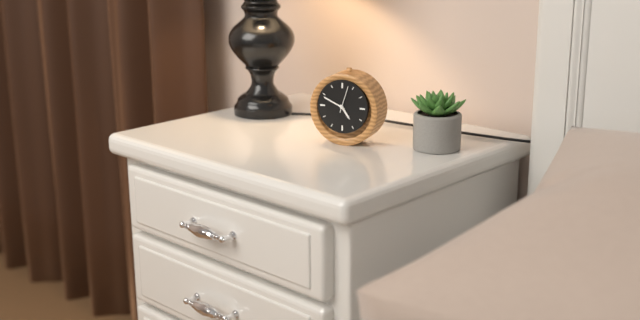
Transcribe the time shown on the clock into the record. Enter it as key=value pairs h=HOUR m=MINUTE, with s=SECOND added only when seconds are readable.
h=4 m=49
